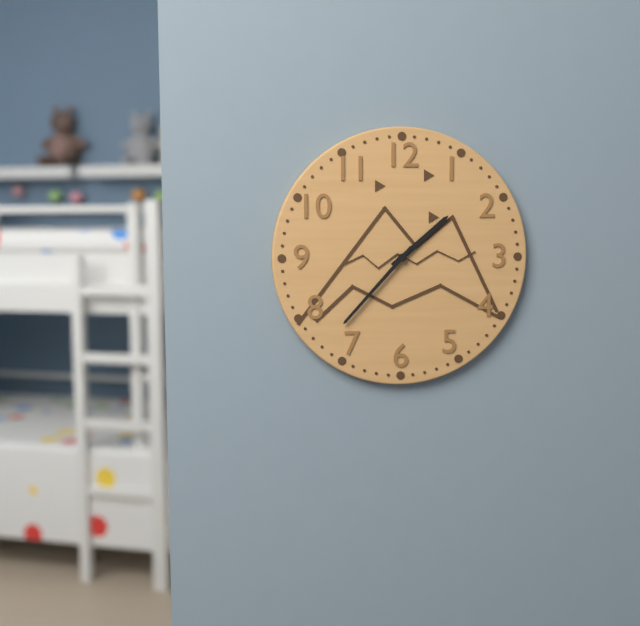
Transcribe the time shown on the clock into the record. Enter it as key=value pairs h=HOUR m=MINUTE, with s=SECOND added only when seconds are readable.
h=1 m=37
